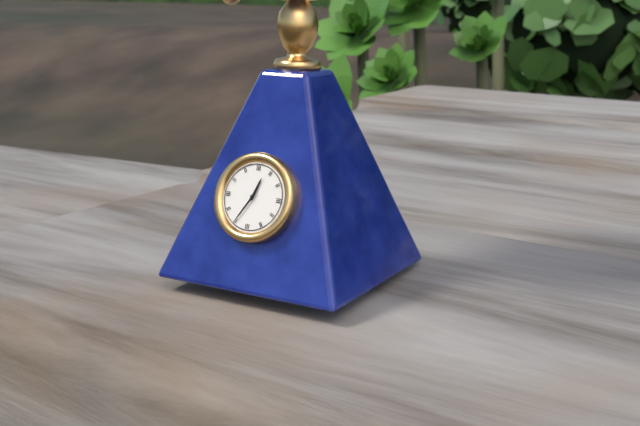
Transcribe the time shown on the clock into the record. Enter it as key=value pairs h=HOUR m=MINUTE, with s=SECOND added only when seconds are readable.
h=12 m=35
